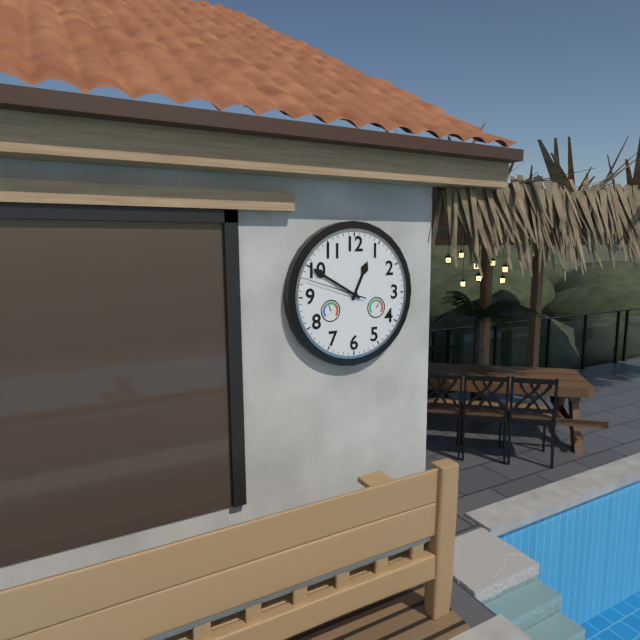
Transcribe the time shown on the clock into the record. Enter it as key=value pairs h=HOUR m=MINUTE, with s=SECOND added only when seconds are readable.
h=12 m=50 s=48
